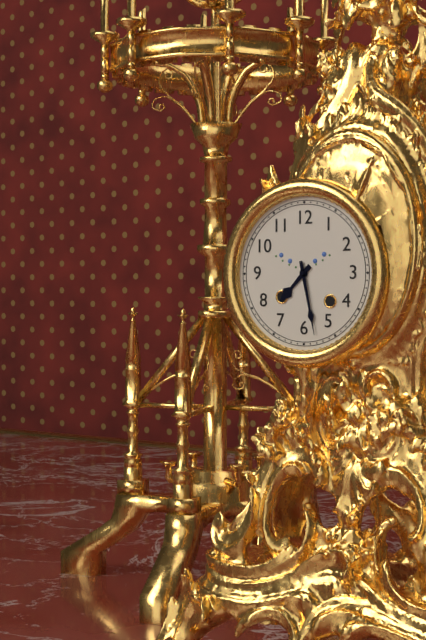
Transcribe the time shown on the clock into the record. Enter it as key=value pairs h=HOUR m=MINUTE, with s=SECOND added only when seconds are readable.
h=7 m=28
